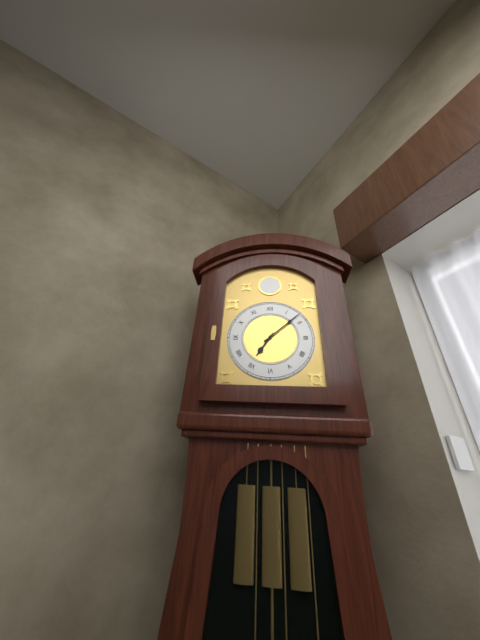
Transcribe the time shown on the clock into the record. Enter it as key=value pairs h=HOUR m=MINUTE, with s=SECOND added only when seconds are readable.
h=7 m=8
